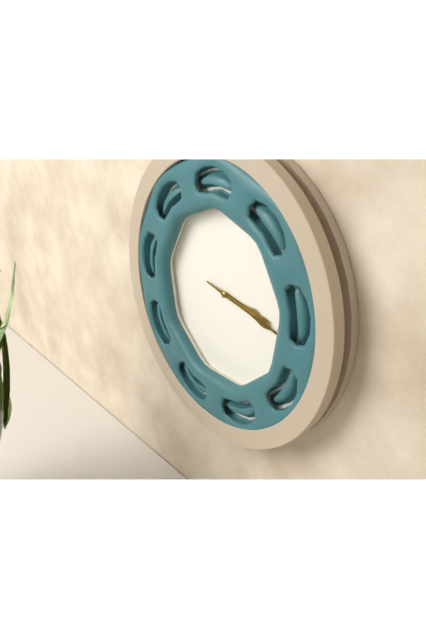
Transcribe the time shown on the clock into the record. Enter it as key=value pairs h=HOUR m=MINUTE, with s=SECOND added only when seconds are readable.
h=3 m=17
